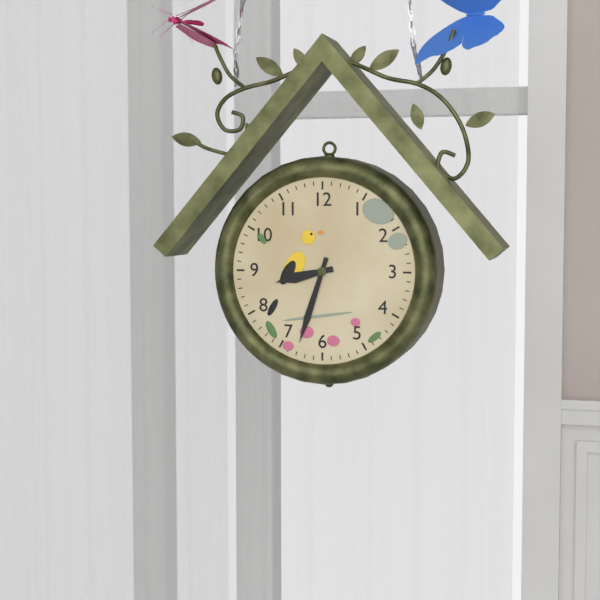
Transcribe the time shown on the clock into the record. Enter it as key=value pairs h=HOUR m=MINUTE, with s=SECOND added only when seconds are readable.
h=8 m=33
